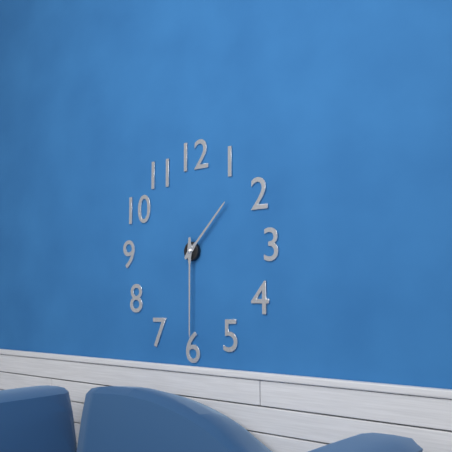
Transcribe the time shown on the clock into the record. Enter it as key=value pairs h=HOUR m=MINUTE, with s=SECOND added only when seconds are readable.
h=1 m=30
